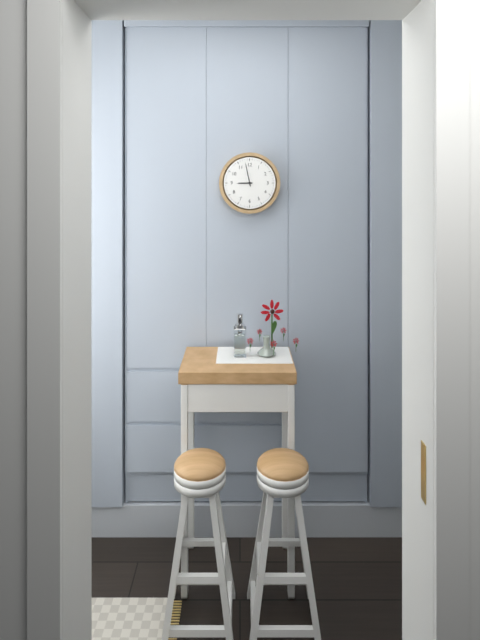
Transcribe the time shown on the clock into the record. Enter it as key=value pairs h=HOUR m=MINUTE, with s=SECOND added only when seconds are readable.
h=8 m=58
